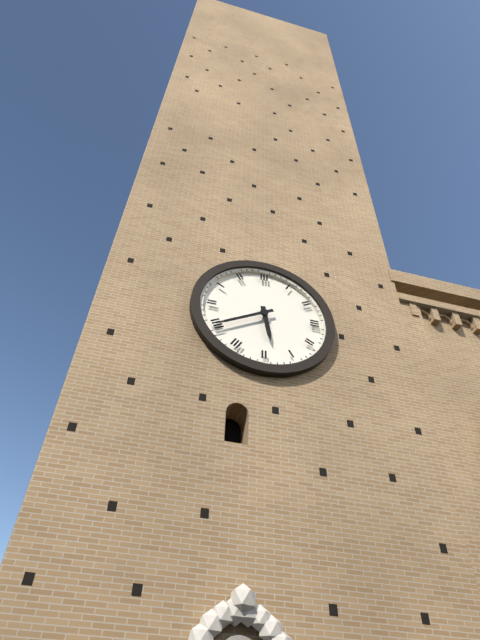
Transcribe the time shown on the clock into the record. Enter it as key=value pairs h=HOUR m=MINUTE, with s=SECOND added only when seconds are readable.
h=5 m=40
